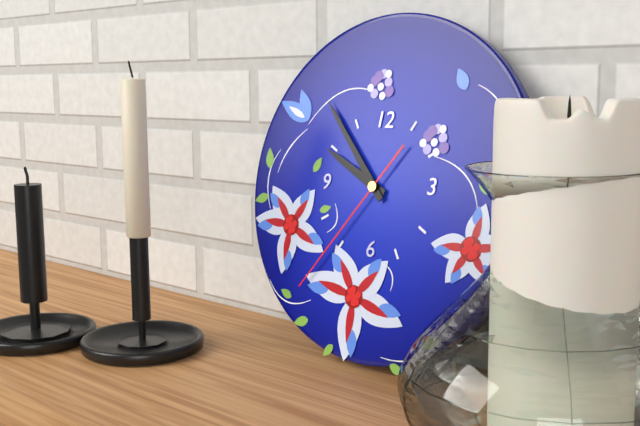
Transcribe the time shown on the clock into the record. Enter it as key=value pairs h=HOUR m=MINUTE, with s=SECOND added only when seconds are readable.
h=9 m=53 s=36
